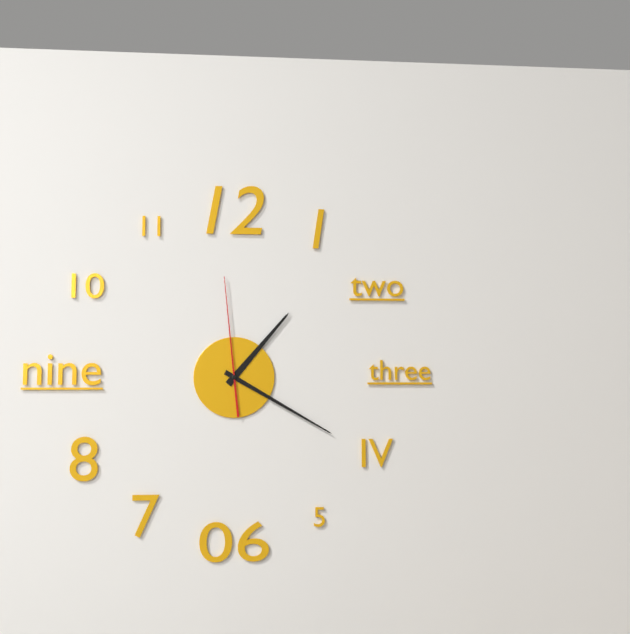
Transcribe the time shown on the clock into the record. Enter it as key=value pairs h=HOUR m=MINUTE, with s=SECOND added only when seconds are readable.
h=1 m=20 s=59
